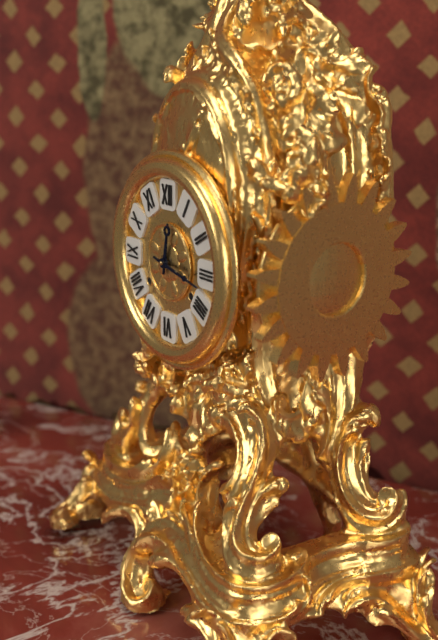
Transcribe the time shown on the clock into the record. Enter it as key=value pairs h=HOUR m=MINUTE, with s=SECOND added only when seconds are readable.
h=12 m=17
